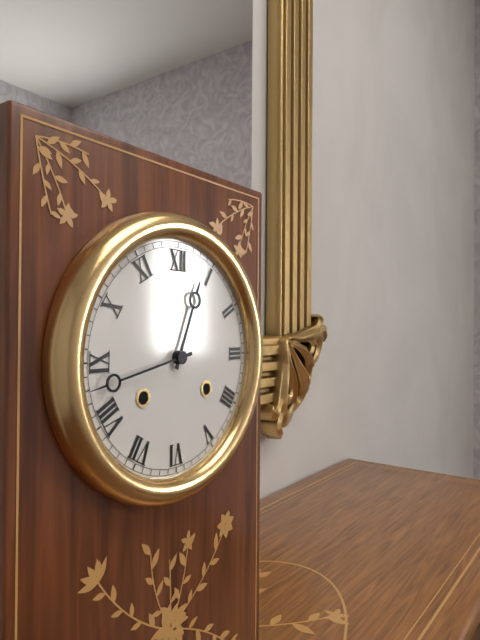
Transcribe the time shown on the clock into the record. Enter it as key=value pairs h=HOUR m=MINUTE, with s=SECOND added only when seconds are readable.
h=12 m=43
